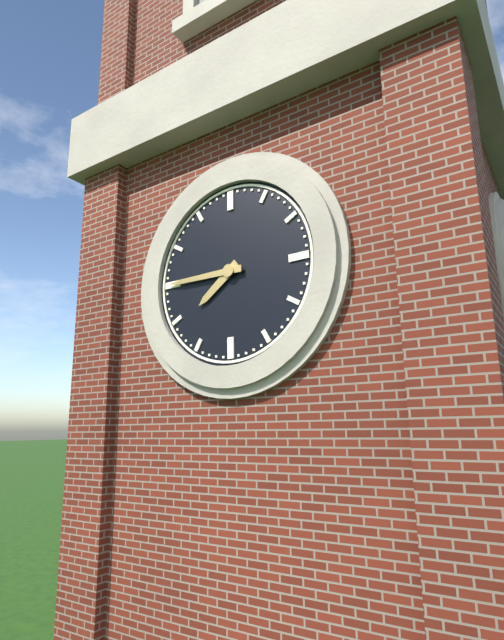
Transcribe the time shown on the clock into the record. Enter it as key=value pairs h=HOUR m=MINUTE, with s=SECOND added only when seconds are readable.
h=7 m=45
